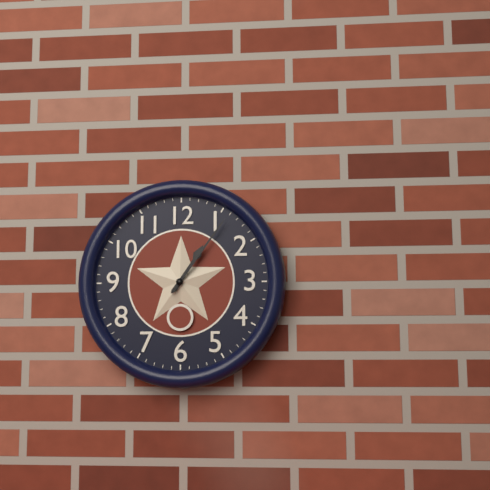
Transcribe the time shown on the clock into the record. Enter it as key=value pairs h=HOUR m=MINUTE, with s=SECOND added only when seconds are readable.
h=1 m=6
